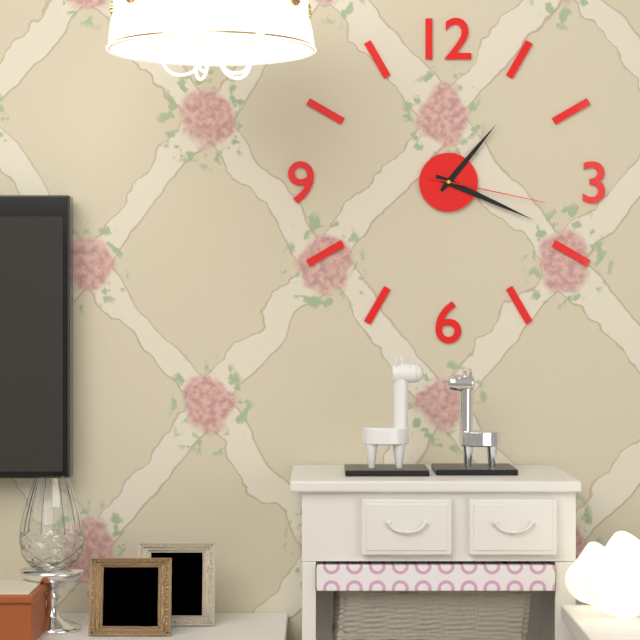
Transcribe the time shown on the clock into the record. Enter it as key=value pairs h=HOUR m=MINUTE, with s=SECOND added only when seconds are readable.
h=1 m=19 s=17
